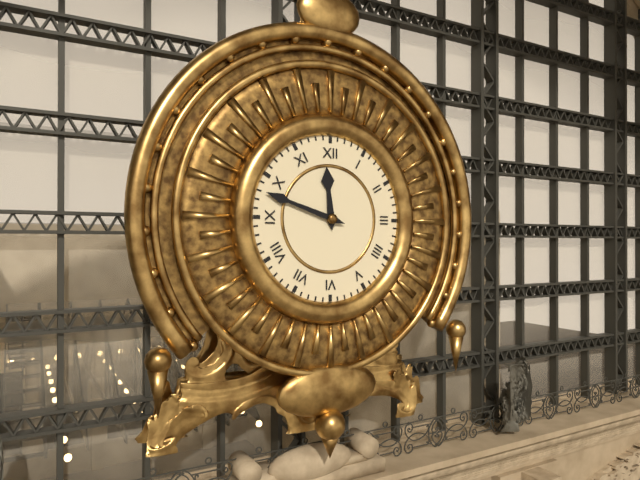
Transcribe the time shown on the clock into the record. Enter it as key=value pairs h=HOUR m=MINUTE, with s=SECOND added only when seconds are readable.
h=11 m=48
